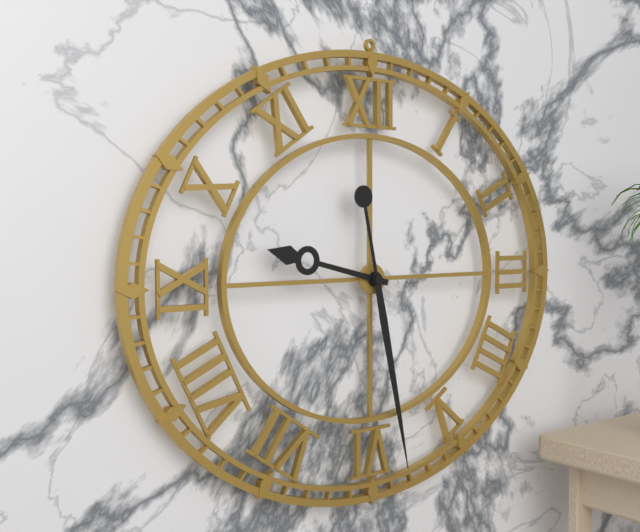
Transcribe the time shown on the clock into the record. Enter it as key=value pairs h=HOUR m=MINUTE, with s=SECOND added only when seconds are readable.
h=9 m=28
